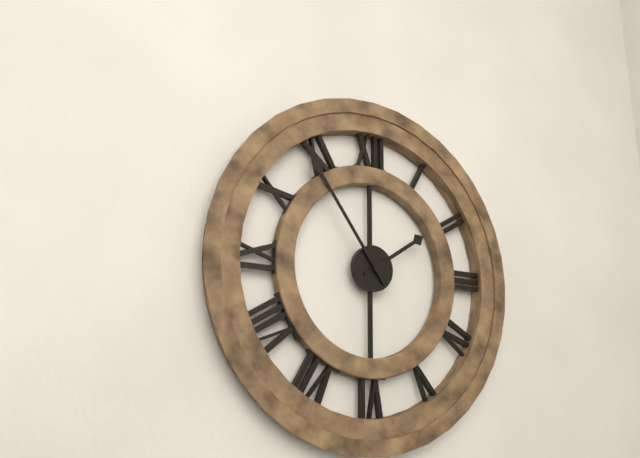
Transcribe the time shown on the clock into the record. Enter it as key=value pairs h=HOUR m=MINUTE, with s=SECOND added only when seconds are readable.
h=1 m=54
